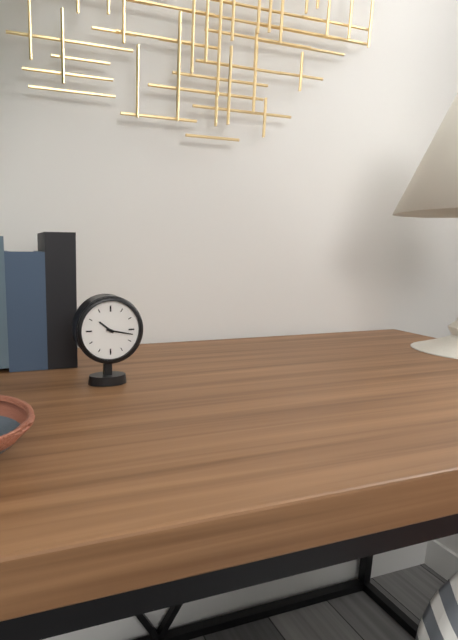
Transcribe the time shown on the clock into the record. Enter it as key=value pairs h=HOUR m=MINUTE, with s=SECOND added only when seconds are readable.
h=10 m=17
